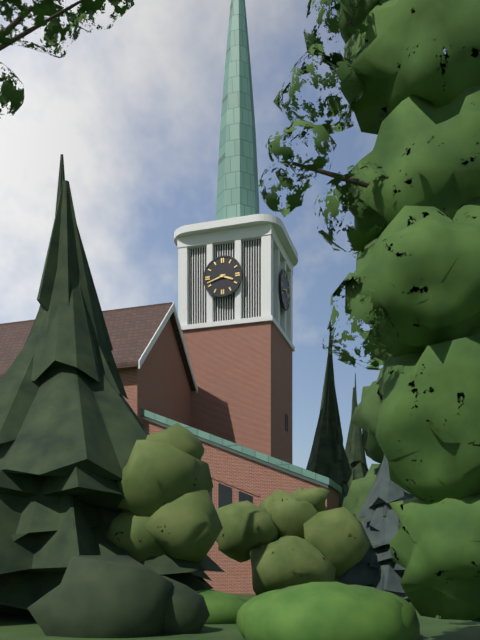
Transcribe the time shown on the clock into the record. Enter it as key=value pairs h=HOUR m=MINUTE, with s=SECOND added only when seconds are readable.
h=3 m=42
